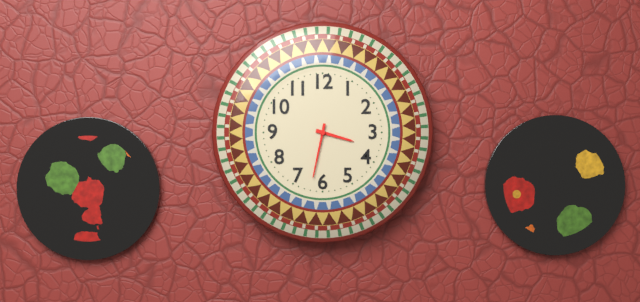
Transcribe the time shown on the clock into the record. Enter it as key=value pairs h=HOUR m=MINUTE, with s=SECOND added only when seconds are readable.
h=3 m=32
